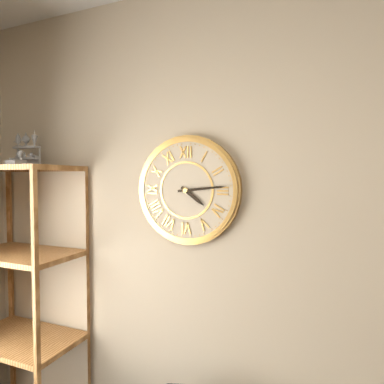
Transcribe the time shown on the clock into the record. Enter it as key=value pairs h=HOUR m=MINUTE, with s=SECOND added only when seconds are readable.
h=4 m=14
